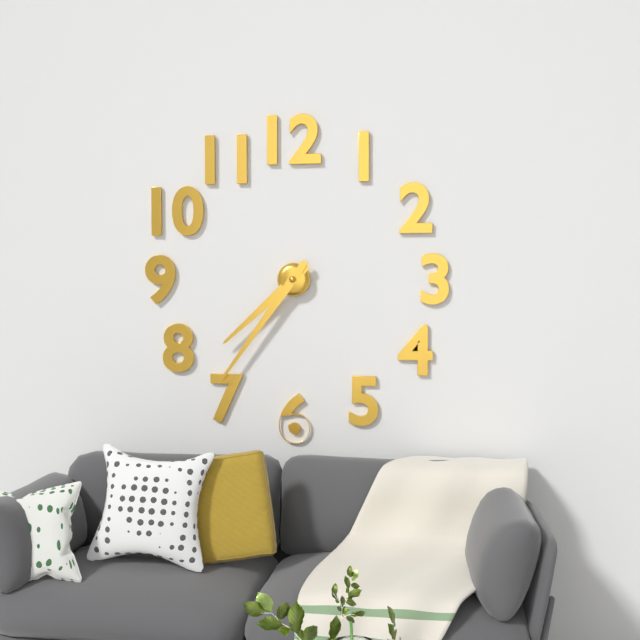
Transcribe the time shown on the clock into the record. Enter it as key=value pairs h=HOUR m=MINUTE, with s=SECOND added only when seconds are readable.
h=7 m=36
